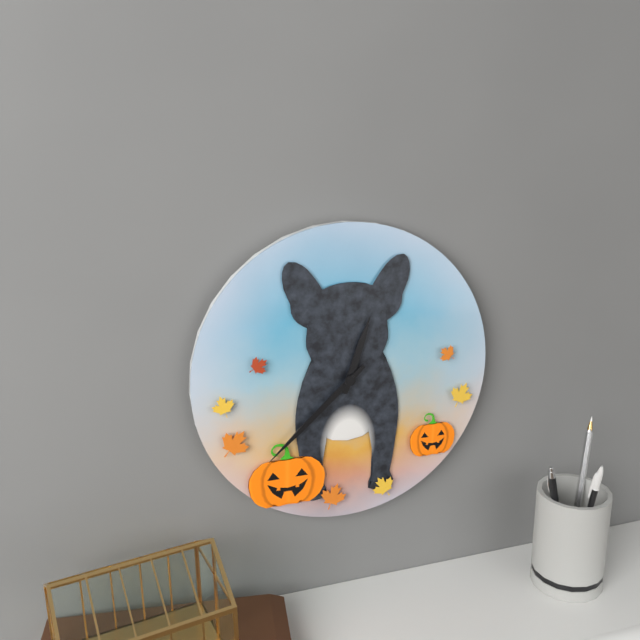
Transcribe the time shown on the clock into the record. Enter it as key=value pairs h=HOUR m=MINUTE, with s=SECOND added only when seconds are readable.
h=12 m=38
